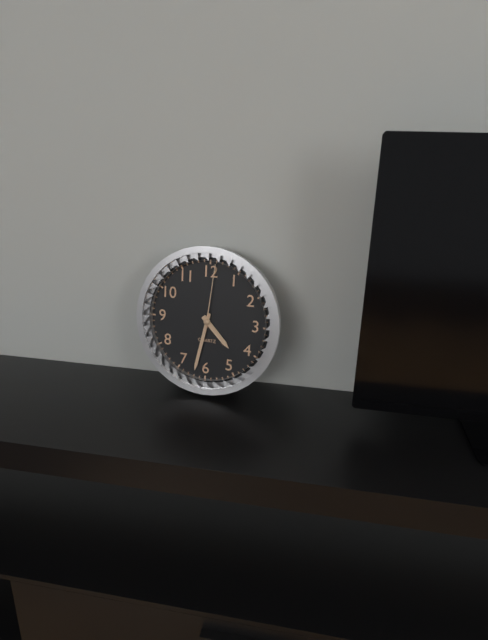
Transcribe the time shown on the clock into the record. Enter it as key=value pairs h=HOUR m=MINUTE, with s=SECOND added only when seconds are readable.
h=4 m=32 s=1
